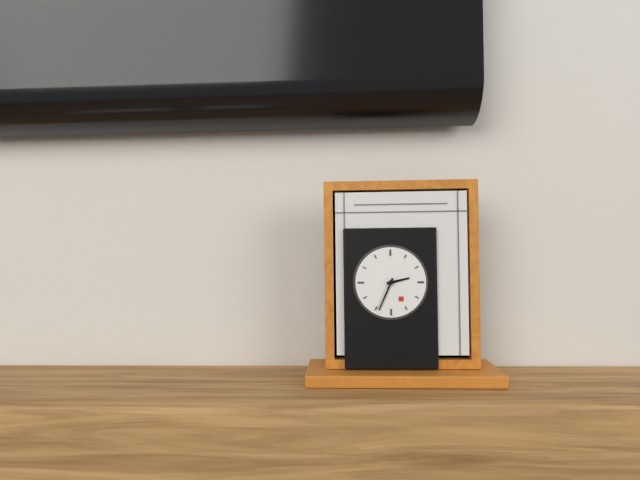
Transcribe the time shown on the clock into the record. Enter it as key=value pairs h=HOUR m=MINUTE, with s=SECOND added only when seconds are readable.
h=2 m=34
